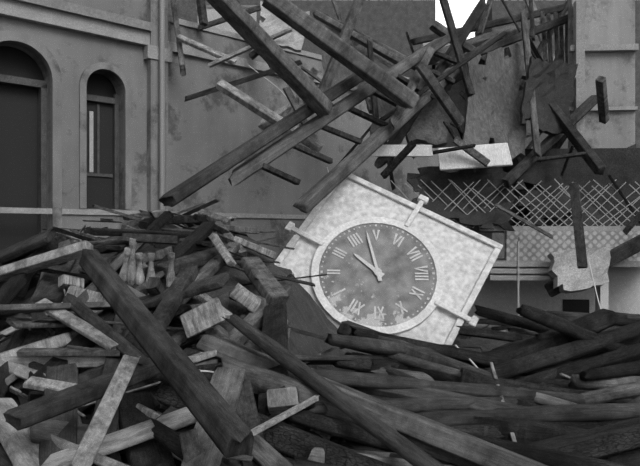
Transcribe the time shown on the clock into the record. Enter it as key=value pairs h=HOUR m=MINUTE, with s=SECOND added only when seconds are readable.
h=3 m=23
